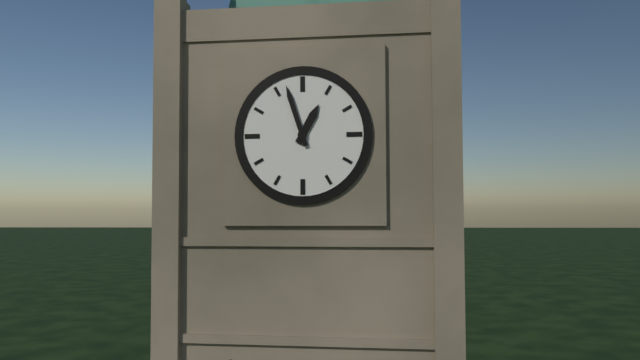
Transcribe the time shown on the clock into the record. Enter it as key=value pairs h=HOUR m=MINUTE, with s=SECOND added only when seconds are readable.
h=12 m=57
